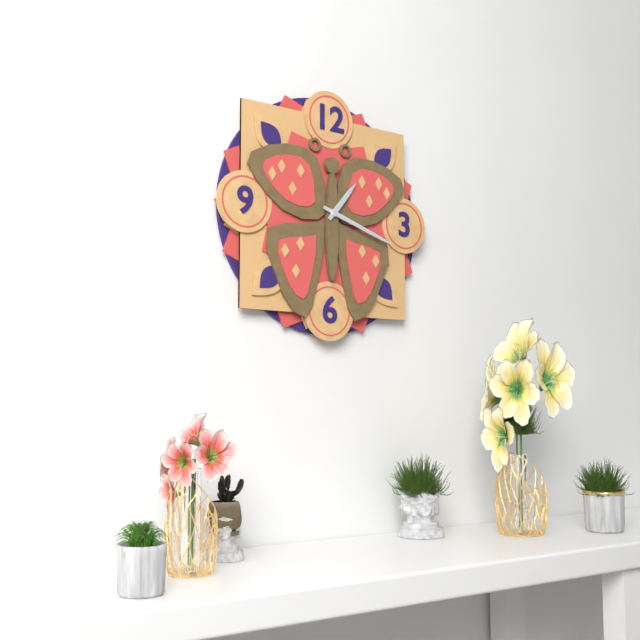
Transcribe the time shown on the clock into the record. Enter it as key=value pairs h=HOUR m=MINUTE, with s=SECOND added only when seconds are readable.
h=1 m=18
